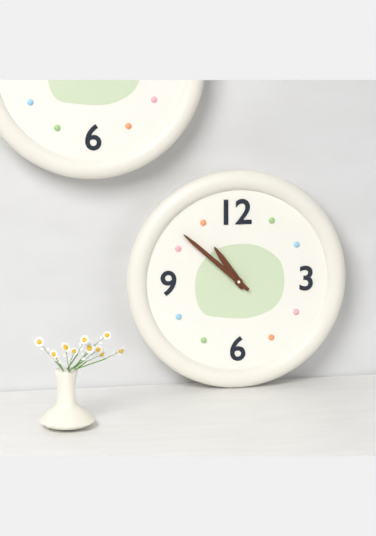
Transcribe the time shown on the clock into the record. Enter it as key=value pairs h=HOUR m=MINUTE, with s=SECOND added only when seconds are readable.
h=10 m=52
